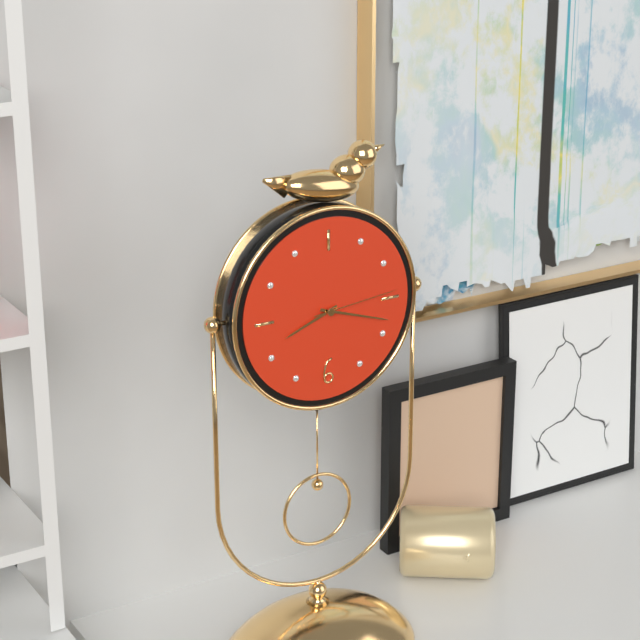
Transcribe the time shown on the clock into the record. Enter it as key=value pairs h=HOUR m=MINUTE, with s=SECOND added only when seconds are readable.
h=8 m=18 s=14
